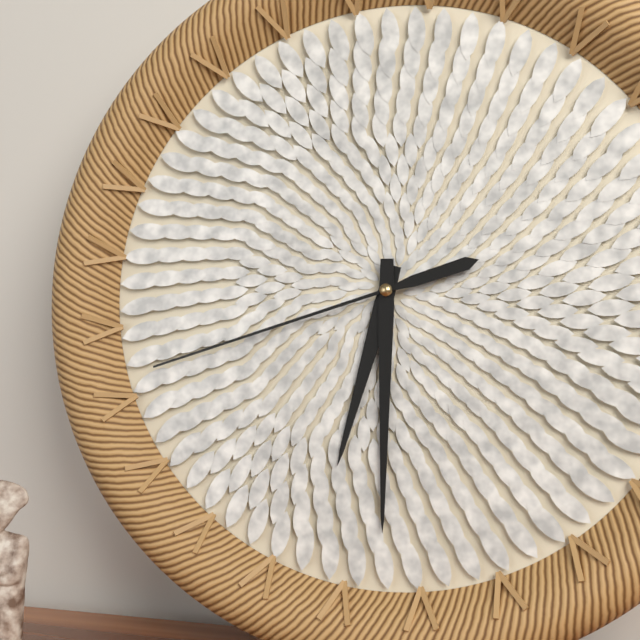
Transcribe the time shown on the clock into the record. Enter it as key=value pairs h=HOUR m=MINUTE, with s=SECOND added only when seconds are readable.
h=6 m=30 s=42
